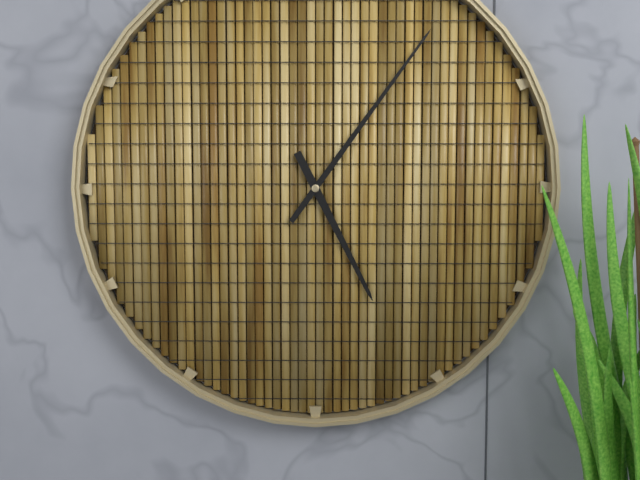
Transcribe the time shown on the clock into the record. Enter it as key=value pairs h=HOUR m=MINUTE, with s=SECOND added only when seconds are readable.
h=5 m=6
